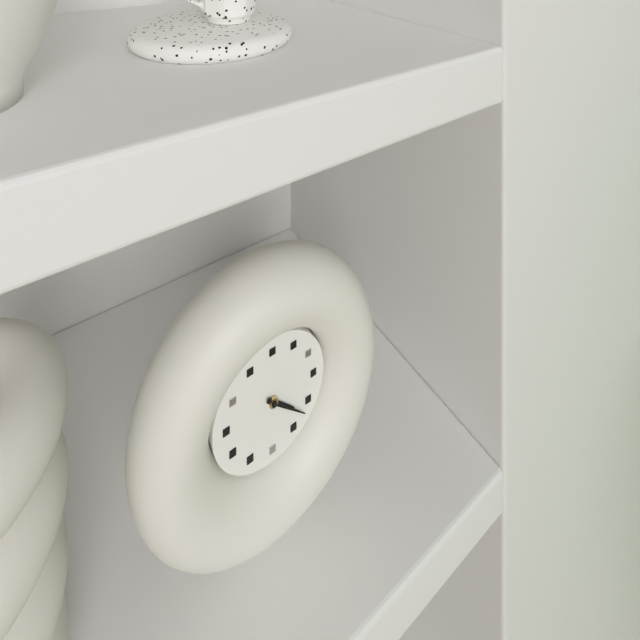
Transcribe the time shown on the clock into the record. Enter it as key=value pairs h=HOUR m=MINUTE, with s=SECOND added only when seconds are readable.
h=4 m=22
